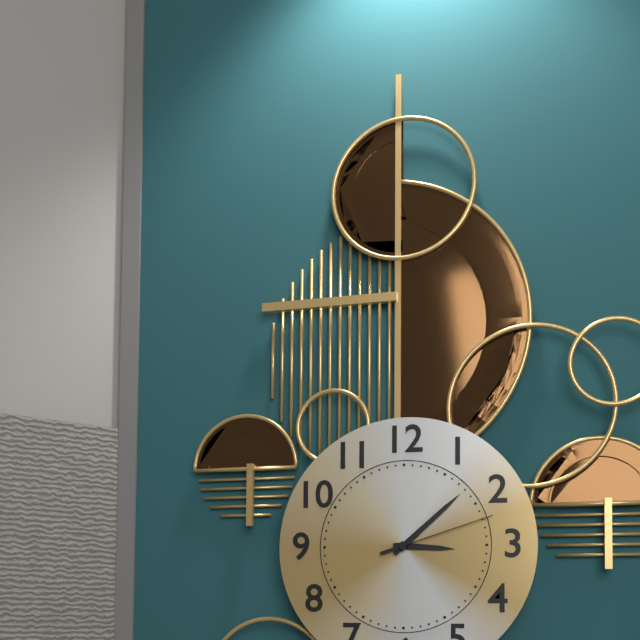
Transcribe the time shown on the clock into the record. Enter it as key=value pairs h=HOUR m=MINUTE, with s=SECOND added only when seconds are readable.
h=3 m=8 s=12
